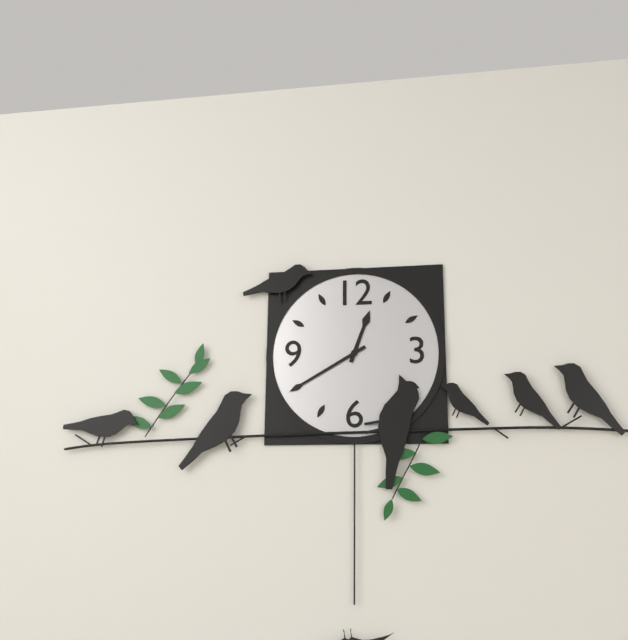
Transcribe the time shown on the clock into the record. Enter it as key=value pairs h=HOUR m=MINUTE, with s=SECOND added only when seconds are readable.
h=12 m=40
